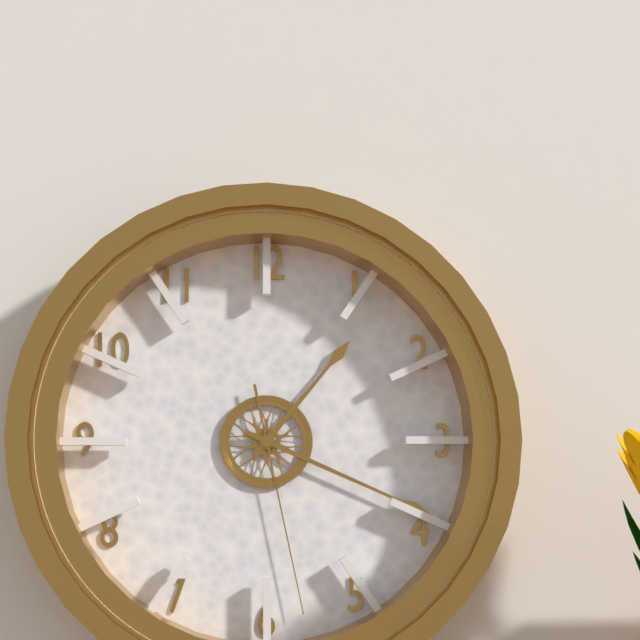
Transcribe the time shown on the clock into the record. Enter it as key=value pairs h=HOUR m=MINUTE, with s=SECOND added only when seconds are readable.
h=1 m=19 s=28
